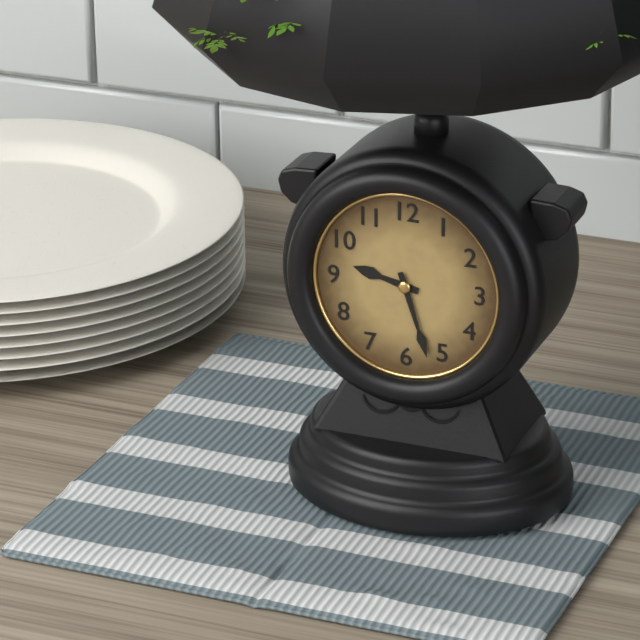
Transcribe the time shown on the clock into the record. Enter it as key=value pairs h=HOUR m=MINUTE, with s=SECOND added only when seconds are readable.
h=9 m=27
